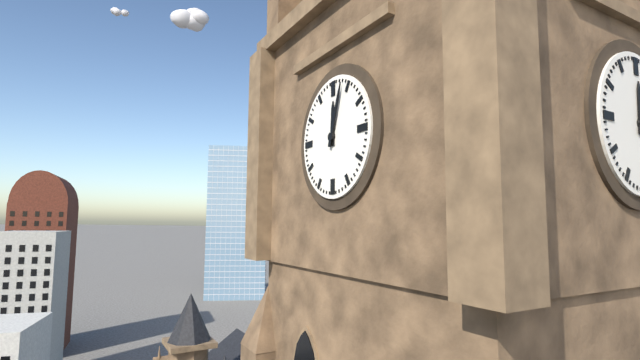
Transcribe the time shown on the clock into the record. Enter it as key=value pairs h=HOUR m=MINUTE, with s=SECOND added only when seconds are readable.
h=12 m=3
